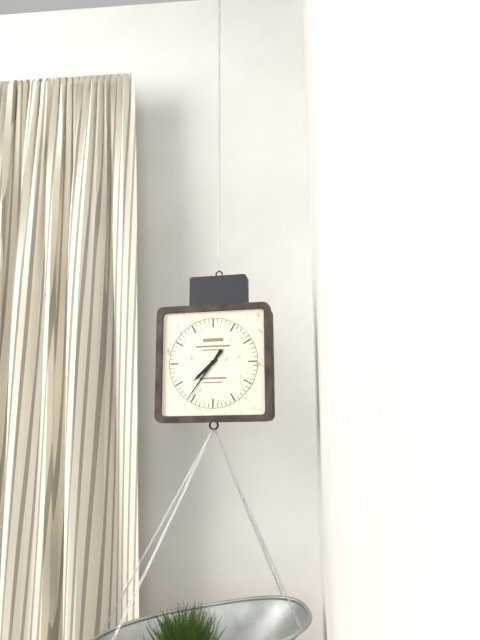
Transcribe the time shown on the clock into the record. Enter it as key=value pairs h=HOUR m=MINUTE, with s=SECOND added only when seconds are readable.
h=7 m=36
